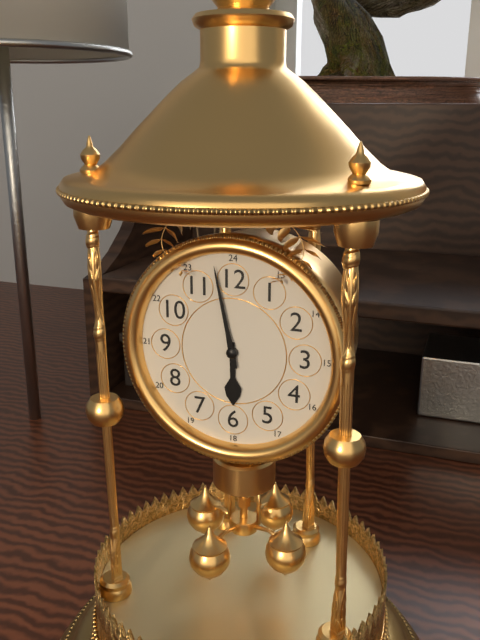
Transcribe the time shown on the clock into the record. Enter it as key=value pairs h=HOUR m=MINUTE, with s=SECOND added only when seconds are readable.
h=5 m=58
